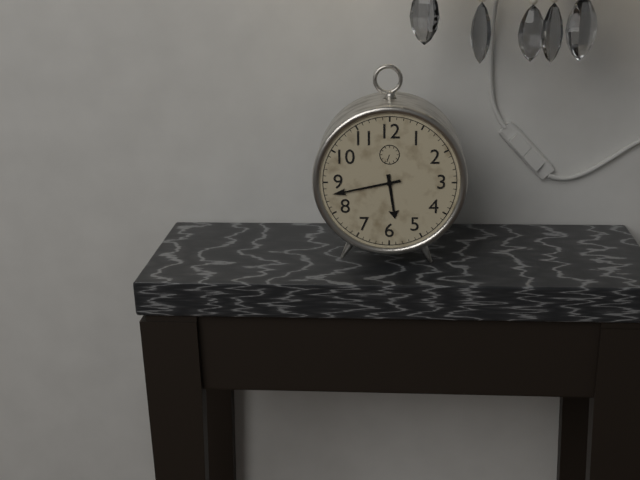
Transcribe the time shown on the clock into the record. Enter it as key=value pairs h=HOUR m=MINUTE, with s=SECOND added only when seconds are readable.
h=5 m=43
